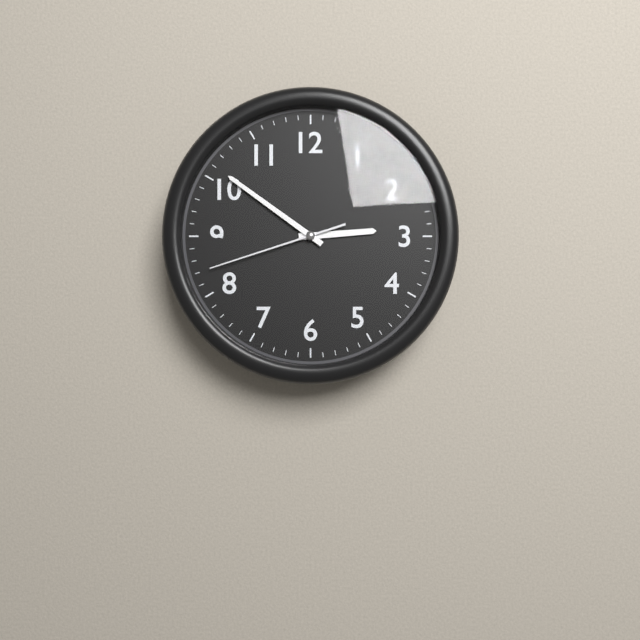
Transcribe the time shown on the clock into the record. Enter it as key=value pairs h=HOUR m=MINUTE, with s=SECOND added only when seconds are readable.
h=2 m=51 s=42
